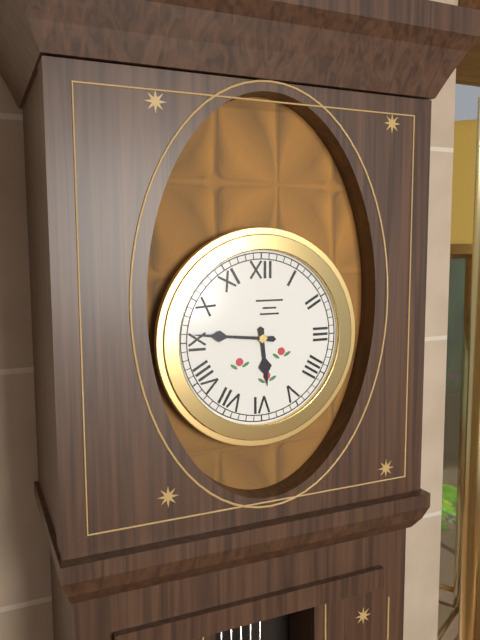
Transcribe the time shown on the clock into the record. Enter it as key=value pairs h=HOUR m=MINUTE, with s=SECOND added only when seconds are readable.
h=5 m=46
